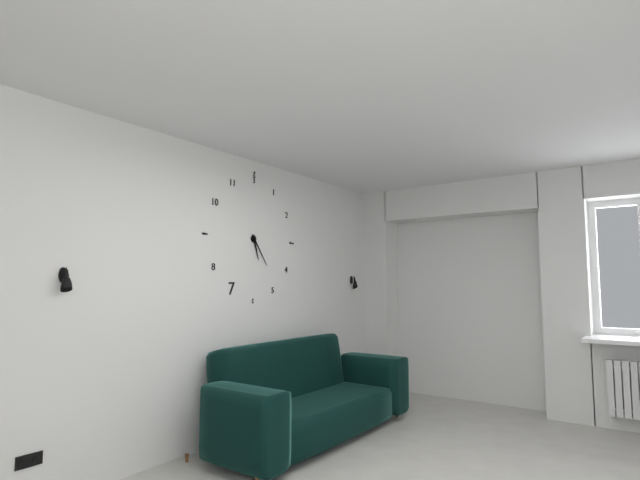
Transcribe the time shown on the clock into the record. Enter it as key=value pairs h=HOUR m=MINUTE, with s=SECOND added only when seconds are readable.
h=5 m=24
